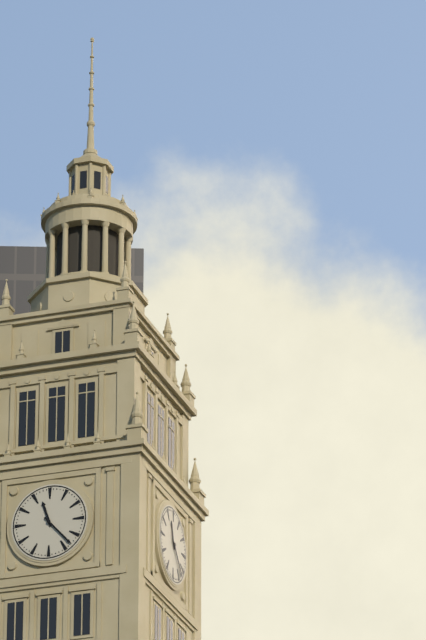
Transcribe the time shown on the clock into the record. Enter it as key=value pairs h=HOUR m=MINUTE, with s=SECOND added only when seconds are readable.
h=11 m=23
